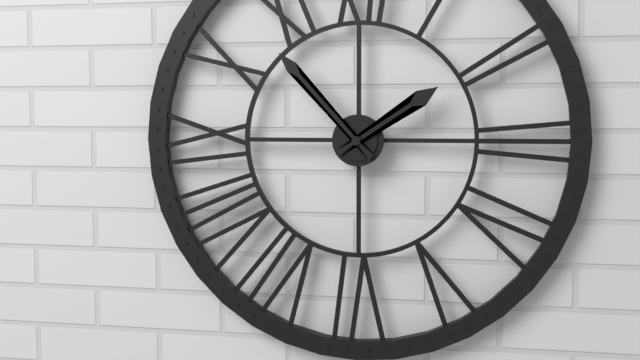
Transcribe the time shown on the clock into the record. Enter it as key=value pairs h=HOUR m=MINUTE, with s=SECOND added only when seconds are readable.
h=1 m=53
